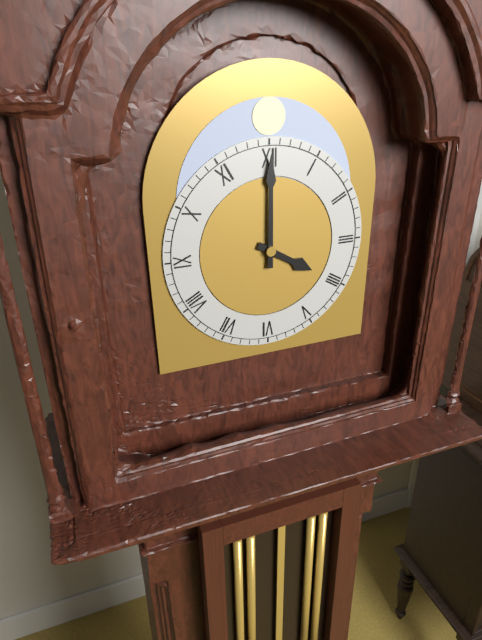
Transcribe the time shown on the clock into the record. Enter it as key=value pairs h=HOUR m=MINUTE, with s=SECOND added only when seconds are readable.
h=4 m=0
